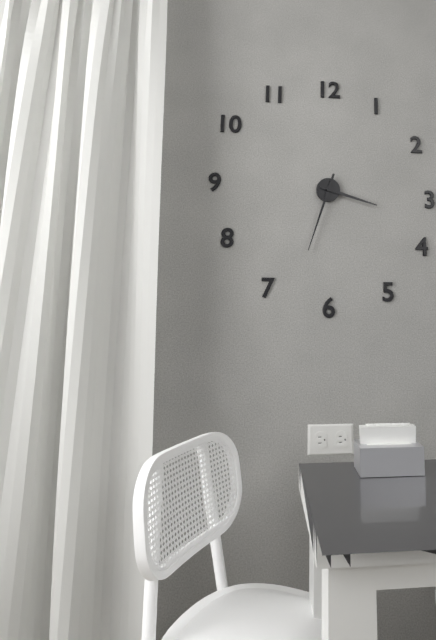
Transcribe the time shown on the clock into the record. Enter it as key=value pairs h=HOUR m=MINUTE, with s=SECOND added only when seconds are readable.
h=3 m=33
